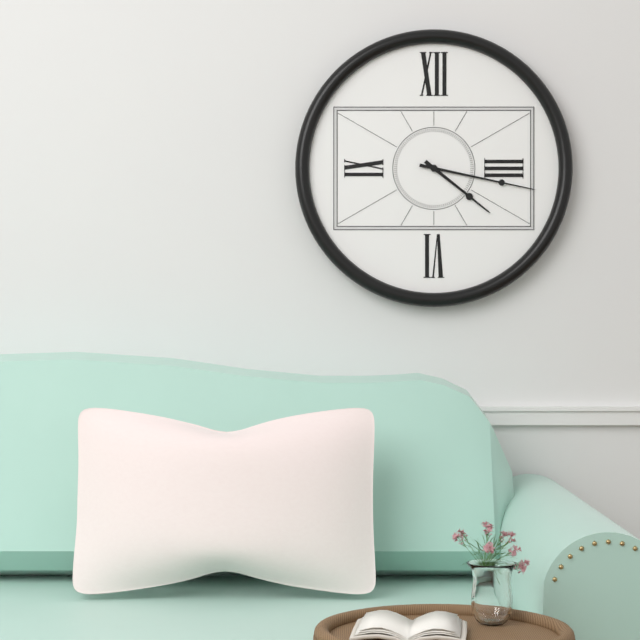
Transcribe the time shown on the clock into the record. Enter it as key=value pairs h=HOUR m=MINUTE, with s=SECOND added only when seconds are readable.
h=4 m=17
